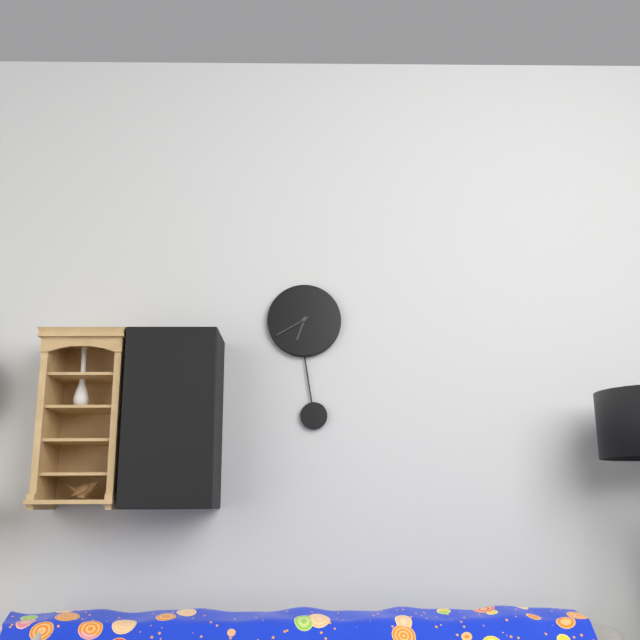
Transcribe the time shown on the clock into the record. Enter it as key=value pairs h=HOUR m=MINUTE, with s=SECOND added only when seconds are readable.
h=6 m=40
